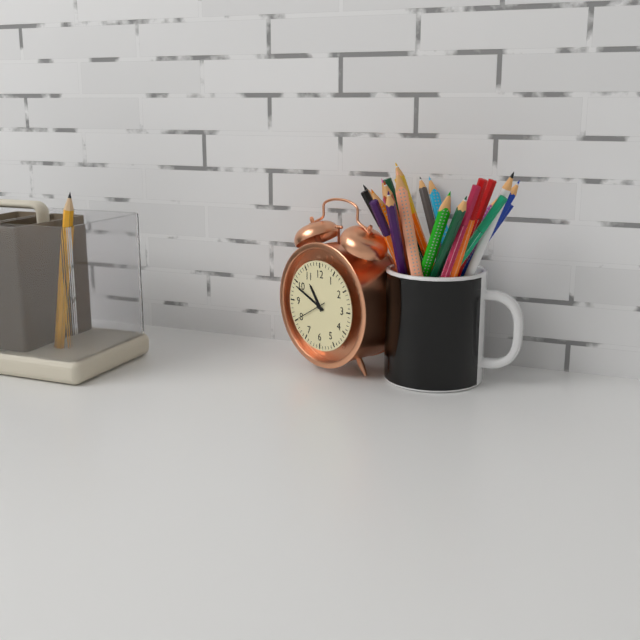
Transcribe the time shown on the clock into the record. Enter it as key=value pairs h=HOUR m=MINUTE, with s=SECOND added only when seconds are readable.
h=10 m=49
